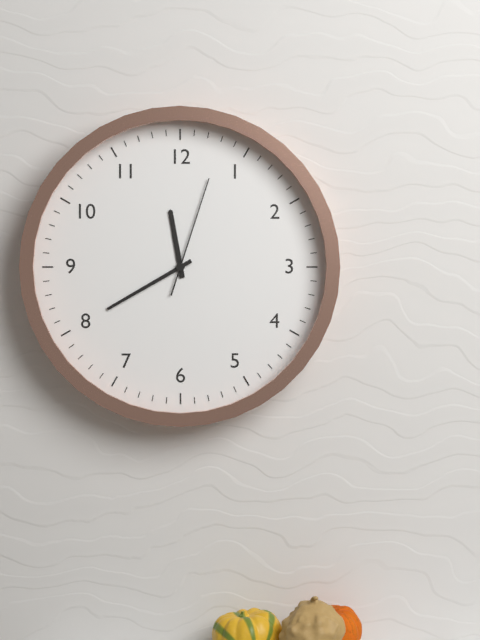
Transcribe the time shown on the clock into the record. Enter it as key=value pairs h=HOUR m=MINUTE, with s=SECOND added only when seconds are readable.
h=11 m=40 s=3
